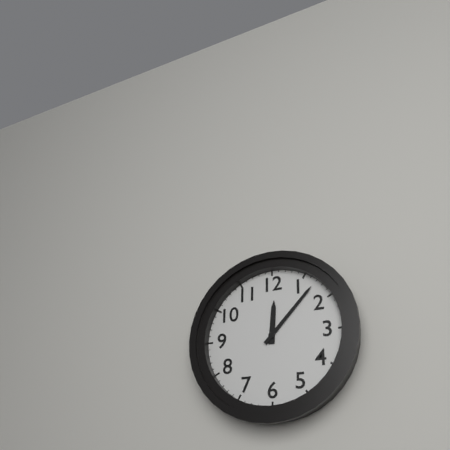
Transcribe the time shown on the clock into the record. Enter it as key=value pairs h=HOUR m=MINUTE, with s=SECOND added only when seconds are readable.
h=12 m=7
